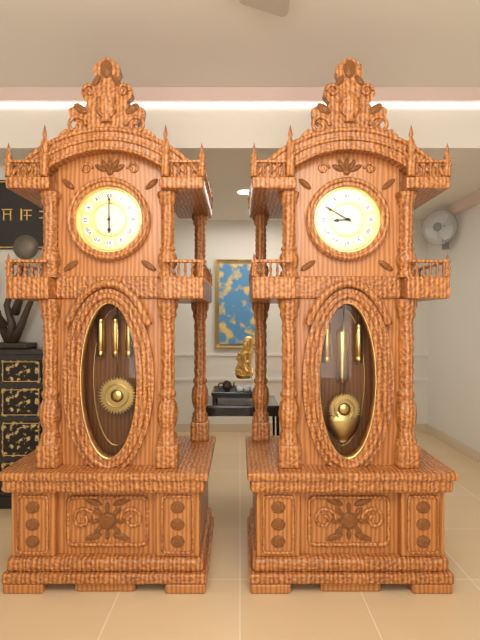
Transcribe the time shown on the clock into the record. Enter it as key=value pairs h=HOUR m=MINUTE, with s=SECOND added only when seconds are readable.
h=6 m=0
